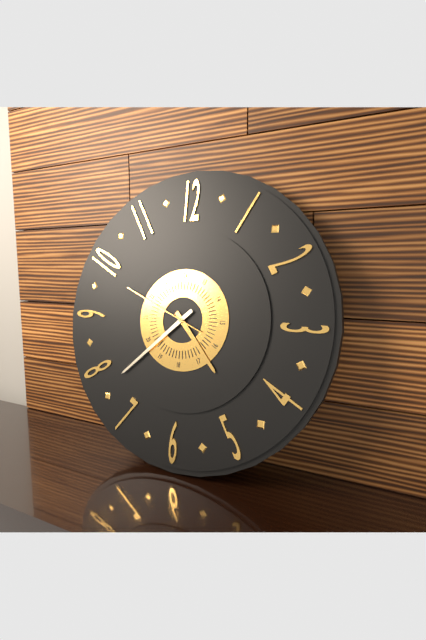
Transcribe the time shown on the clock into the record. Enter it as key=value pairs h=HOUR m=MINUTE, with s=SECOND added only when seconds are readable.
h=4 m=38 s=49
